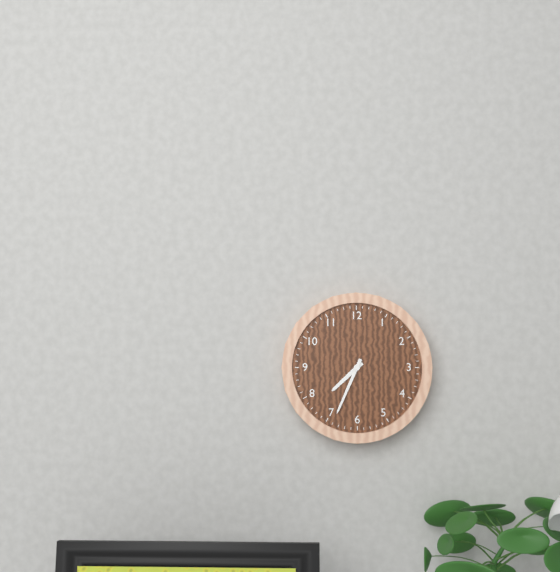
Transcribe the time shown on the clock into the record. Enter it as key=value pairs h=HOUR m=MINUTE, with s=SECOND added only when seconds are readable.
h=7 m=34
